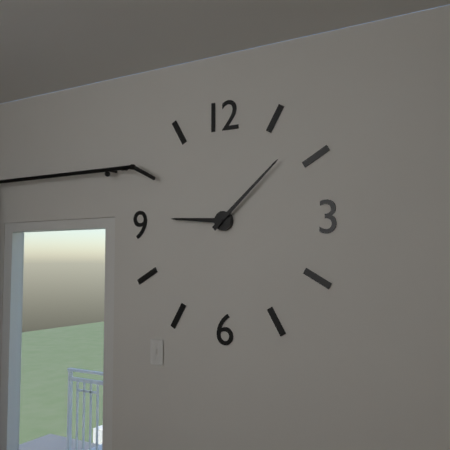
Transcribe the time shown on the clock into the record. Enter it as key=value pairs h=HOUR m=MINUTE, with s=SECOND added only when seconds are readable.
h=9 m=8
